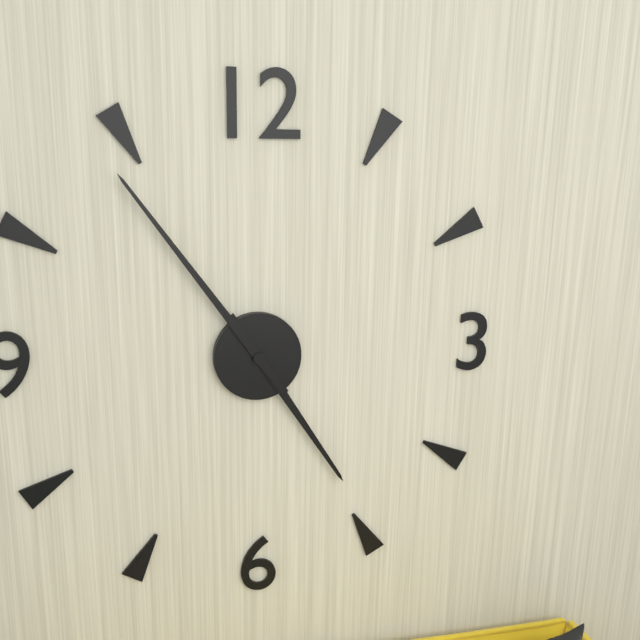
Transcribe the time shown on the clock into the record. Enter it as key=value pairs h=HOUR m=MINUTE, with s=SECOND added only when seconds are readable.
h=4 m=54
